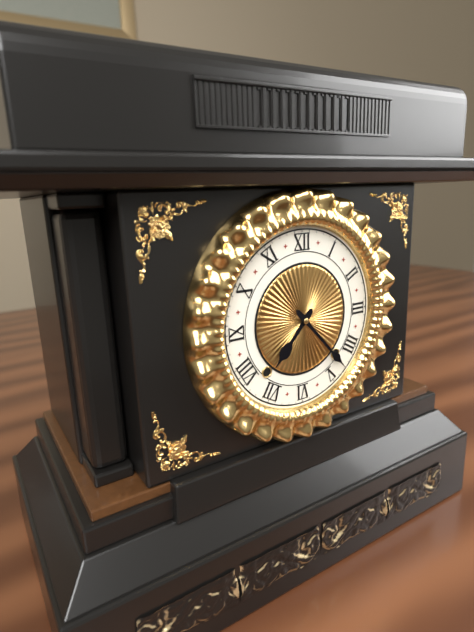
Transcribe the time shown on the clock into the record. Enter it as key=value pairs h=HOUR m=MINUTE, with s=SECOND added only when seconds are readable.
h=7 m=23
